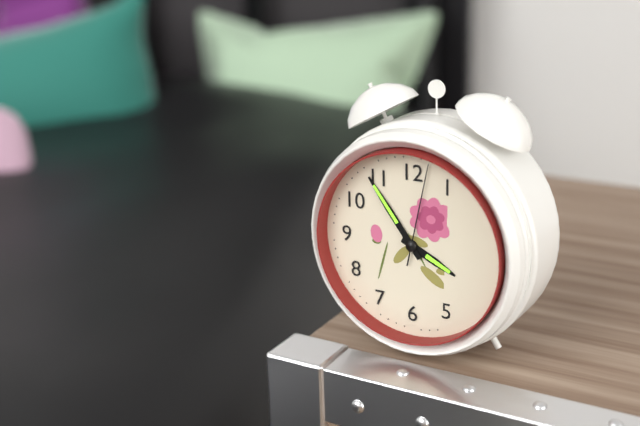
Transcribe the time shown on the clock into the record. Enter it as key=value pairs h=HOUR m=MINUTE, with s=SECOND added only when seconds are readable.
h=3 m=54 s=2
